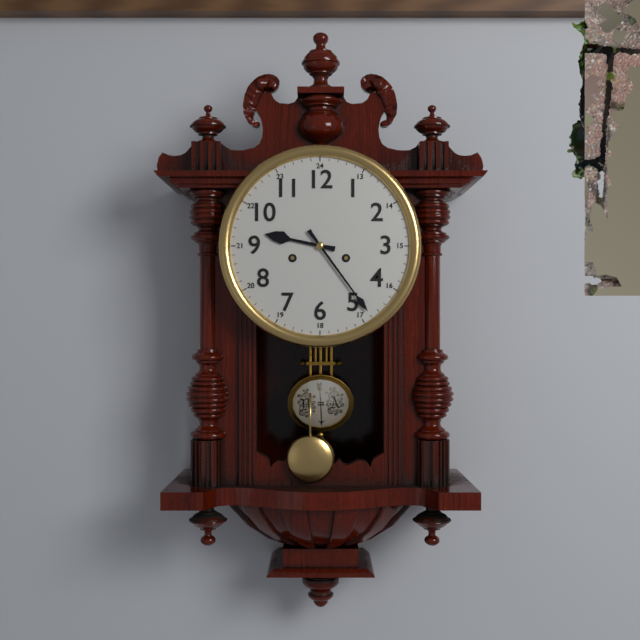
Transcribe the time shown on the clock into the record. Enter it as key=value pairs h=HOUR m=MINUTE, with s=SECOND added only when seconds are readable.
h=9 m=24
